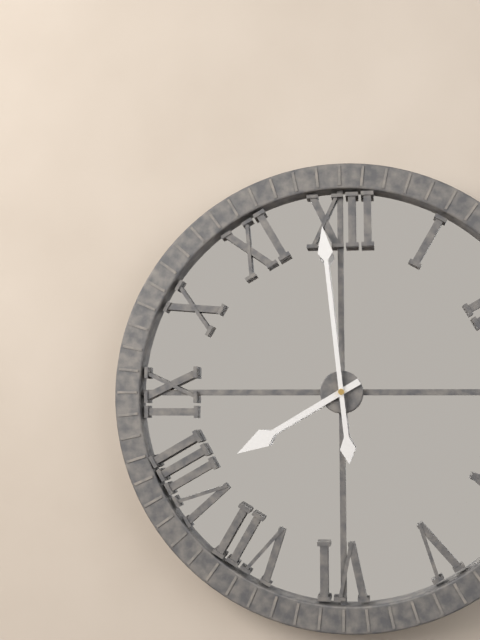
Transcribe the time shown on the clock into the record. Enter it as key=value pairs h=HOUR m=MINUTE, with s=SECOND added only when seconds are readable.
h=7 m=59
